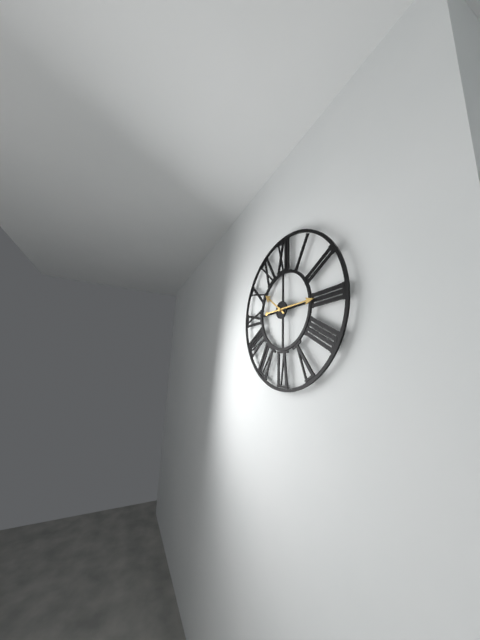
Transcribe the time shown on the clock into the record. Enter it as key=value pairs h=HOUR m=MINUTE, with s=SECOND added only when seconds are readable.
h=10 m=15
